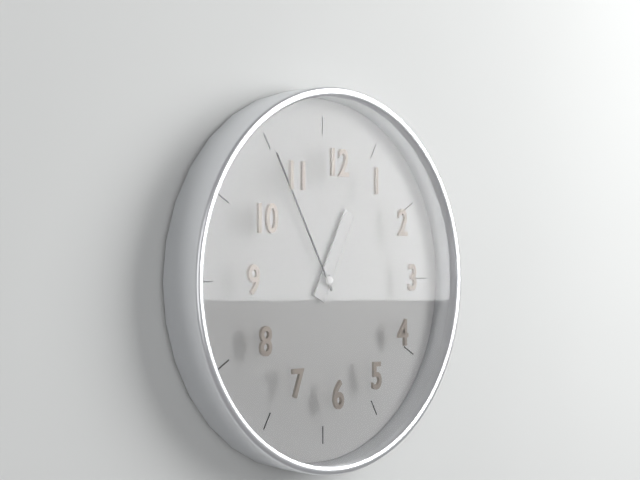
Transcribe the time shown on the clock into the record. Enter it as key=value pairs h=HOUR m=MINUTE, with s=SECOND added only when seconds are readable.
h=12 m=55
